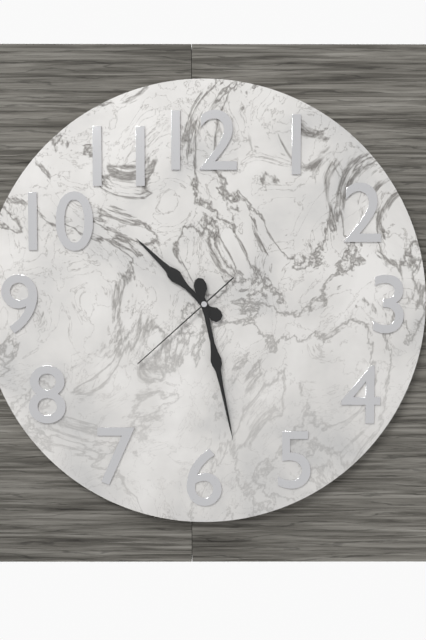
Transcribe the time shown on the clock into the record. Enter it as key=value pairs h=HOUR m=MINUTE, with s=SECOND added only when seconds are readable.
h=10 m=28 s=38
